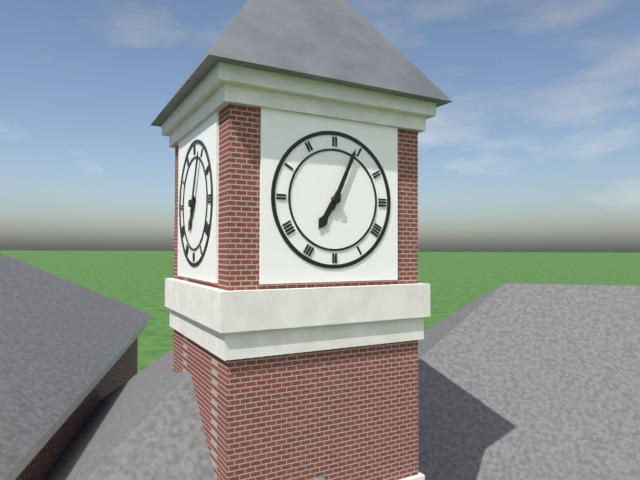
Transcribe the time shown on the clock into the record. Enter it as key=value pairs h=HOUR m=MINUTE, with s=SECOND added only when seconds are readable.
h=7 m=4
